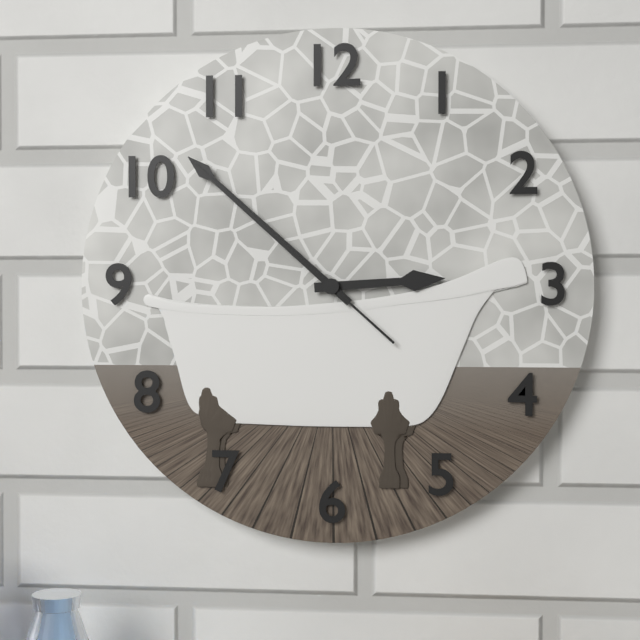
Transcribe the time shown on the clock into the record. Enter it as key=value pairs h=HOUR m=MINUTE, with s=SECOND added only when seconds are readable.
h=2 m=52 s=52
